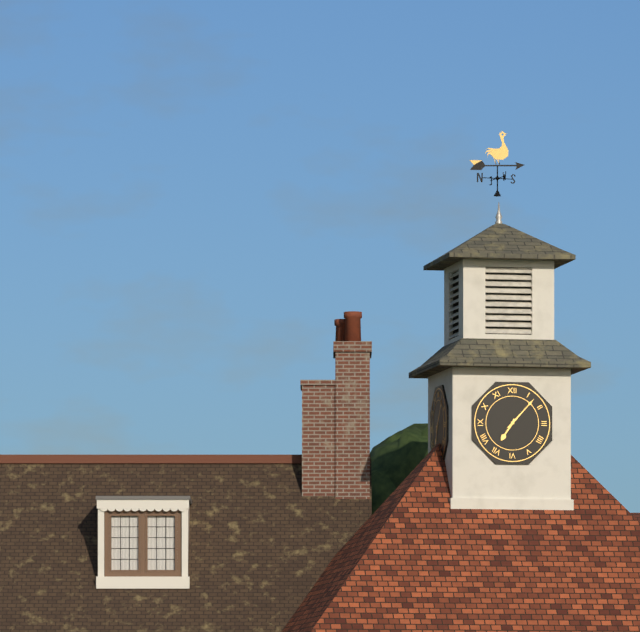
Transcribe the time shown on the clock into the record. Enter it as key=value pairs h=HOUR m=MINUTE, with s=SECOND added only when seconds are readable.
h=7 m=7
